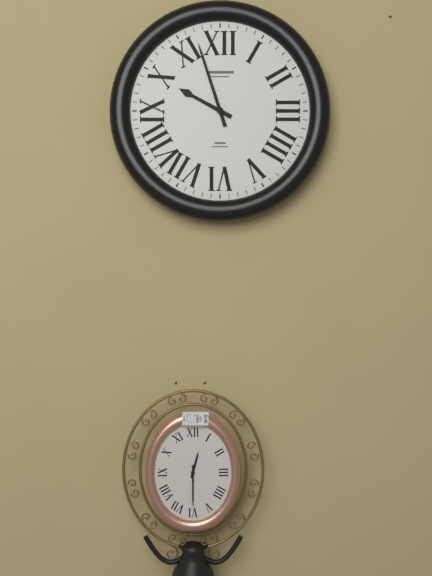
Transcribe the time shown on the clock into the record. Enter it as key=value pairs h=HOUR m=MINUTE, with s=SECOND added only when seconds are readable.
h=9 m=57
